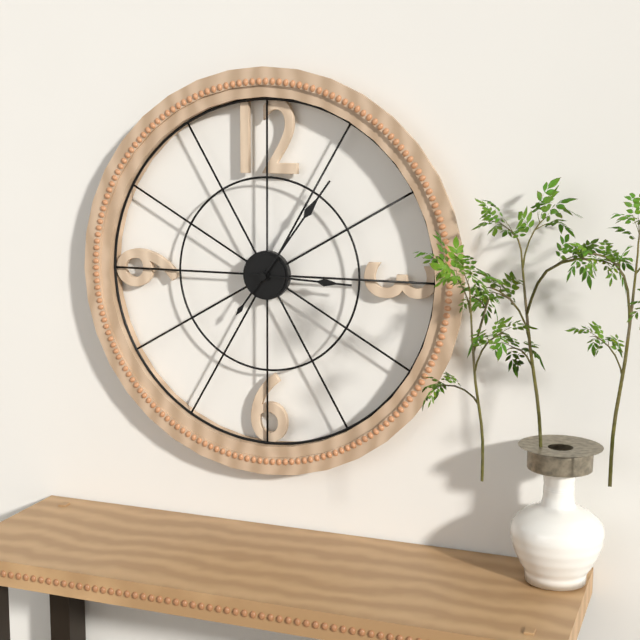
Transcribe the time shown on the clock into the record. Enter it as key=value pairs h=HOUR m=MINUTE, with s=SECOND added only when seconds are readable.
h=3 m=6
